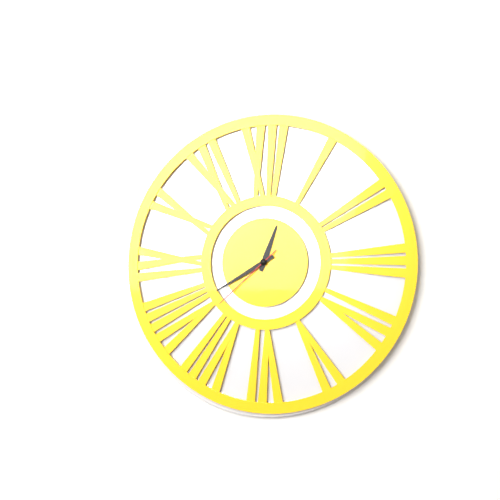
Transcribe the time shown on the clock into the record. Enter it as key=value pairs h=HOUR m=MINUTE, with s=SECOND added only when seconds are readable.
h=12 m=40 s=38
